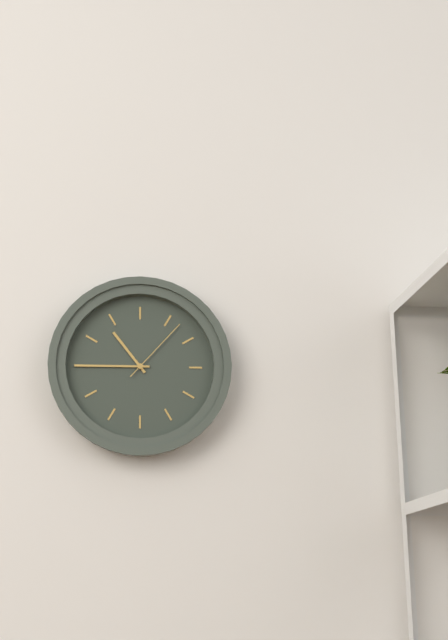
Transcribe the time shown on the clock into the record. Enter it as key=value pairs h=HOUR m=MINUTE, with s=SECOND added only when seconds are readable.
h=10 m=45 s=7
